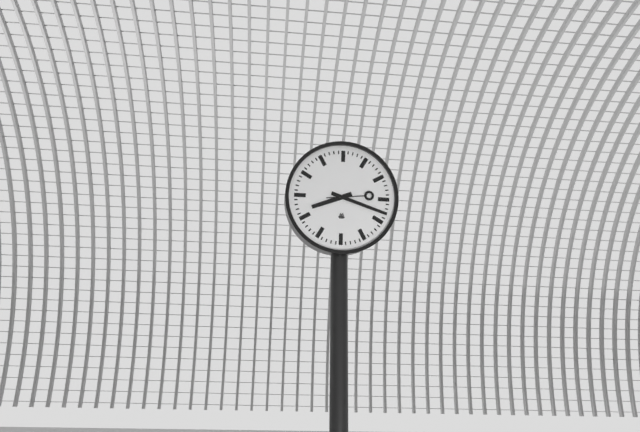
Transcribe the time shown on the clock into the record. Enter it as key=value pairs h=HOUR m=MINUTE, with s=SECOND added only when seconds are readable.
h=8 m=18
